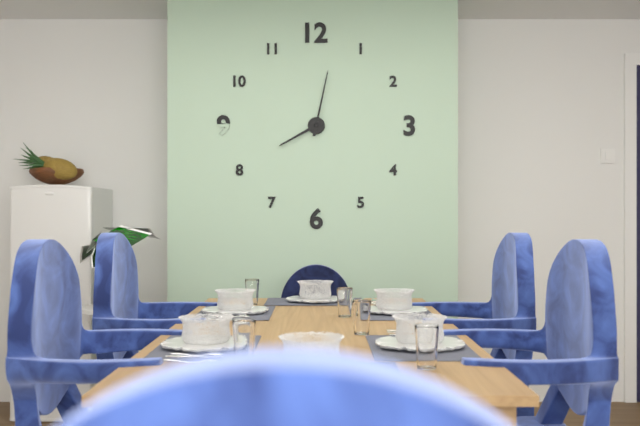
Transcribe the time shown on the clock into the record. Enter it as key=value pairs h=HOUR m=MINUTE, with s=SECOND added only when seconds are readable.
h=8 m=2
